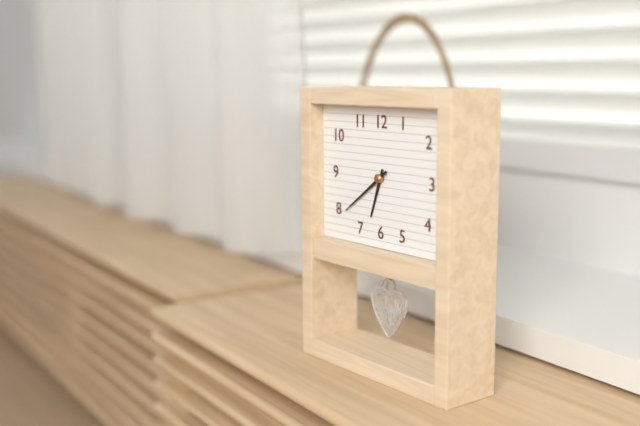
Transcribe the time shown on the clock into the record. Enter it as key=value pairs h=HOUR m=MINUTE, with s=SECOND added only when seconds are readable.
h=6 m=39
